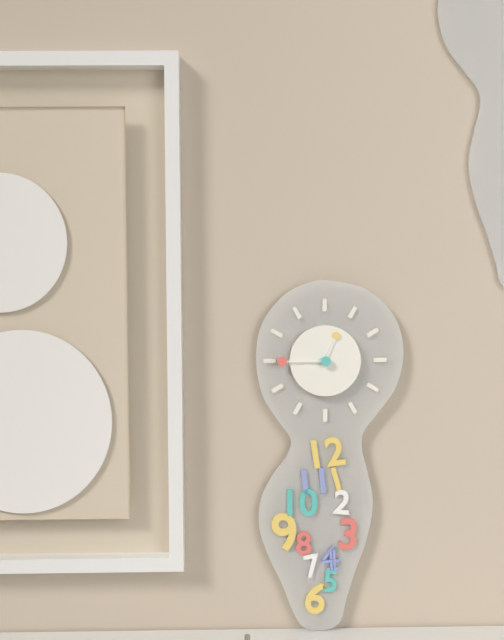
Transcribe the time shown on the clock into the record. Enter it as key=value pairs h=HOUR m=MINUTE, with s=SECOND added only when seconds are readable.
h=12 m=45
